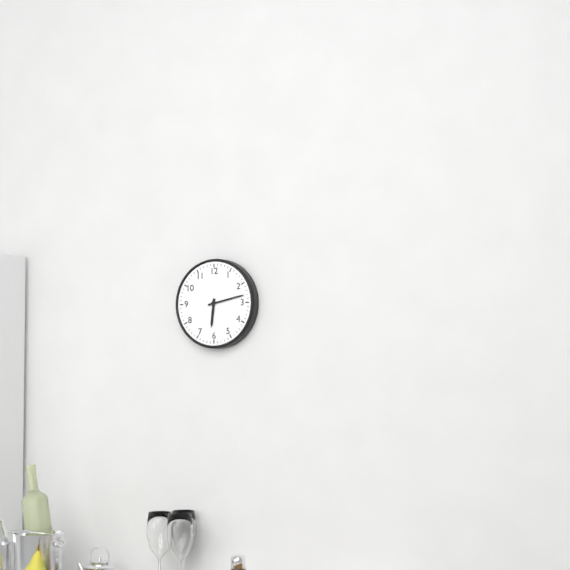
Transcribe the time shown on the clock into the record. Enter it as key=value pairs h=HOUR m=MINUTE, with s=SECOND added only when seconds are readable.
h=6 m=13
